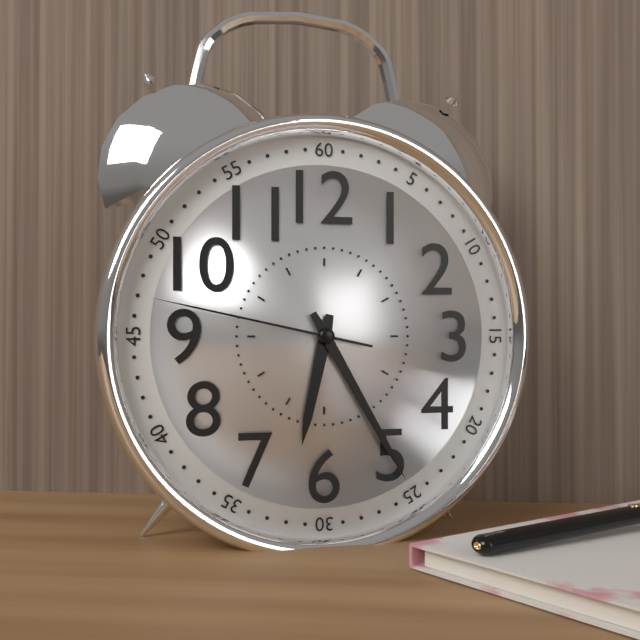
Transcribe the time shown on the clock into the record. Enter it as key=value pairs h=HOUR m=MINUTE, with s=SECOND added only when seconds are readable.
h=6 m=25 s=47
